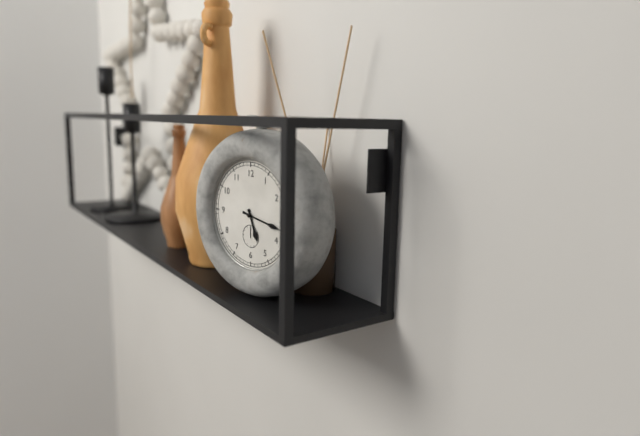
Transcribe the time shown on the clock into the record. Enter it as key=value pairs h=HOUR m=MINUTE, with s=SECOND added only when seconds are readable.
h=5 m=17
